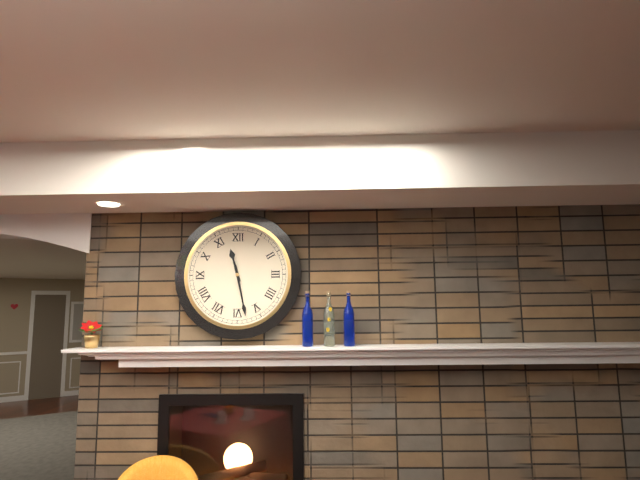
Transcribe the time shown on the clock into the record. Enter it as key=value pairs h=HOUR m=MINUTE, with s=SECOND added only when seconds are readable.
h=11 m=28
